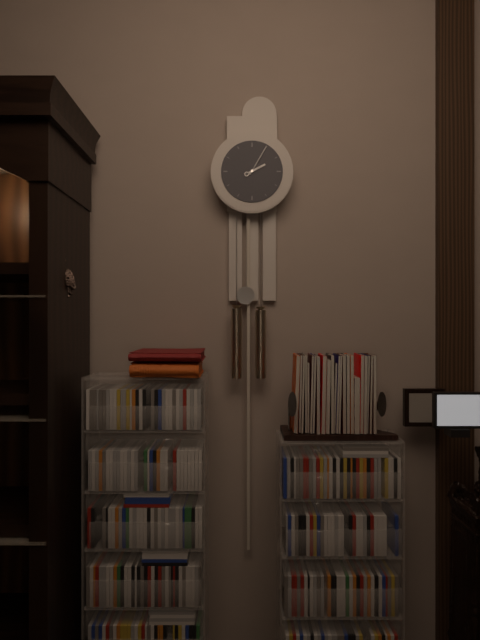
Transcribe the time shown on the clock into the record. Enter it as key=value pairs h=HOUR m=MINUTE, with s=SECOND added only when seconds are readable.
h=2 m=5
